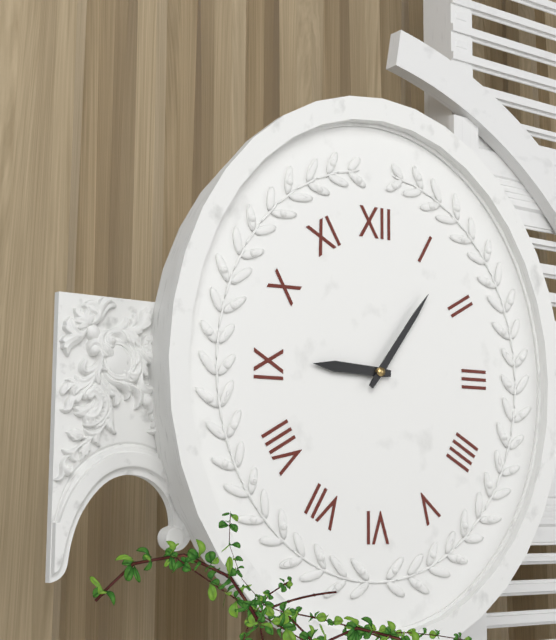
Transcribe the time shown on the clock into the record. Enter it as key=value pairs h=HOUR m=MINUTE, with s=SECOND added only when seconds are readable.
h=9 m=6
